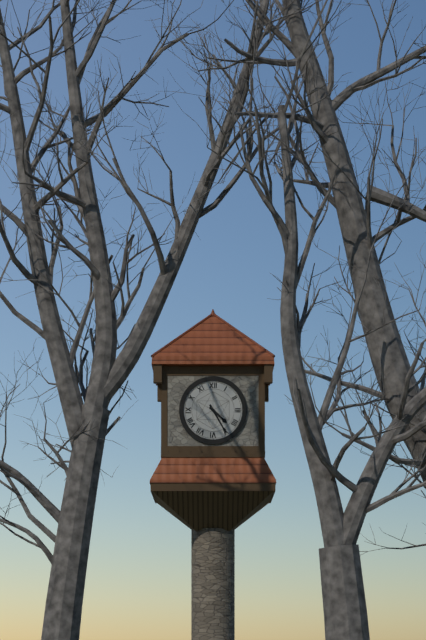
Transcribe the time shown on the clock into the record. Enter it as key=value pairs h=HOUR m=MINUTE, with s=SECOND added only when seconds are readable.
h=4 m=25
